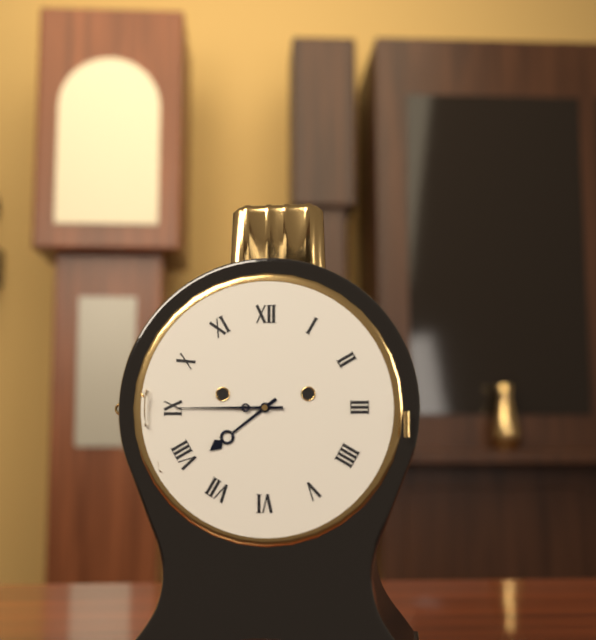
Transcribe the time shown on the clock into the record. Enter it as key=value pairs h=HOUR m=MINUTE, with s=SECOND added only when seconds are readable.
h=7 m=45
